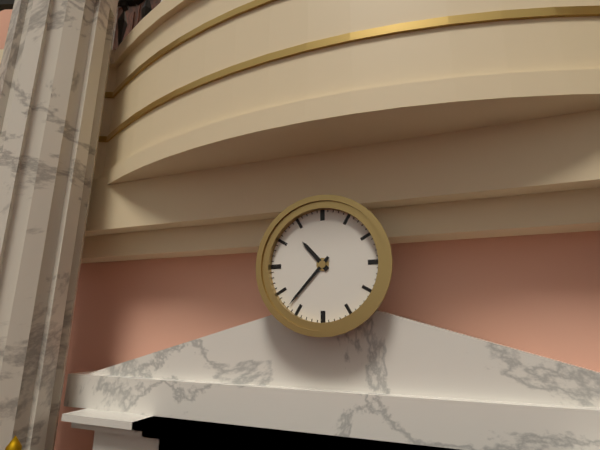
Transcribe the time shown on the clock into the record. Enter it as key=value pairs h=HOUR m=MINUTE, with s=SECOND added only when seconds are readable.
h=10 m=37
